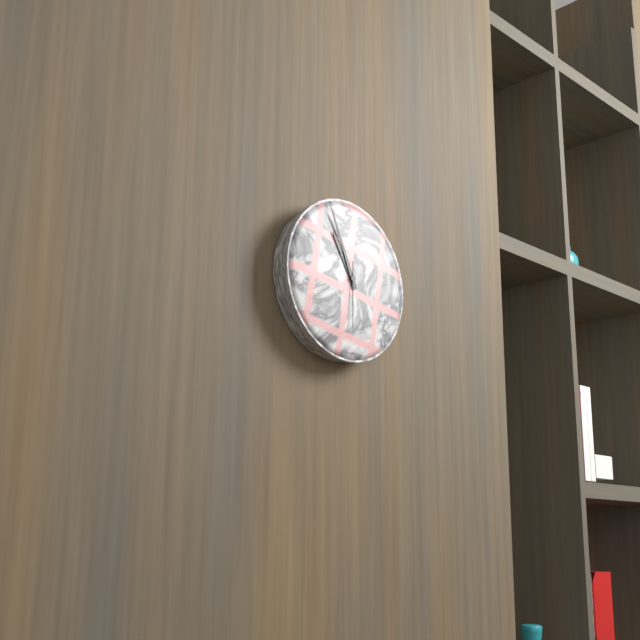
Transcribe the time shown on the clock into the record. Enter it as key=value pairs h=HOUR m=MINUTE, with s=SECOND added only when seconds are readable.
h=10 m=56 s=30
